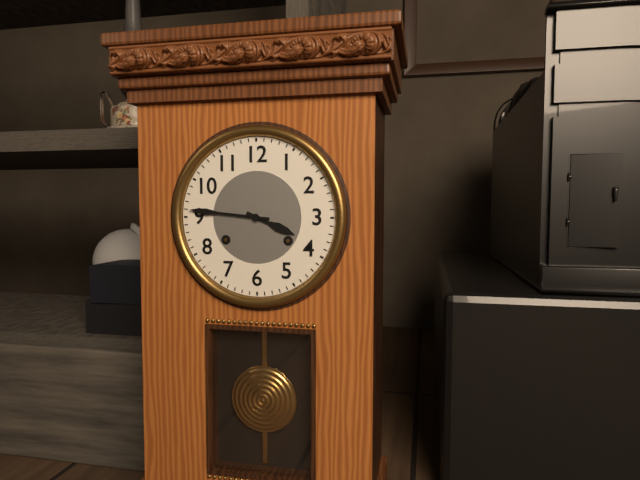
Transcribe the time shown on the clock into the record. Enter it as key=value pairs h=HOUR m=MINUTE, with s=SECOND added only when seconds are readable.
h=3 m=46
